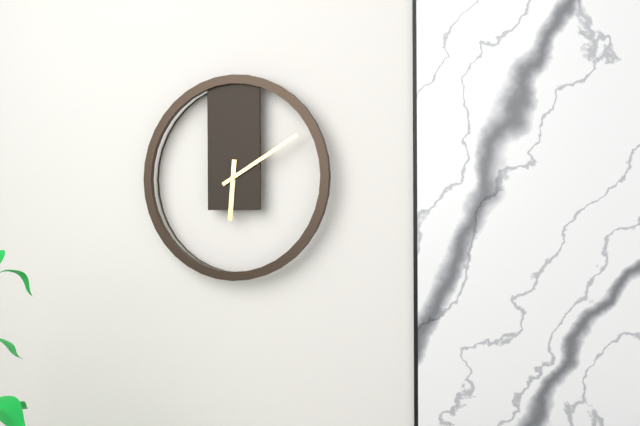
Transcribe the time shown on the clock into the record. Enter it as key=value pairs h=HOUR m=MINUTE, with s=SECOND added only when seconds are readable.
h=6 m=10
